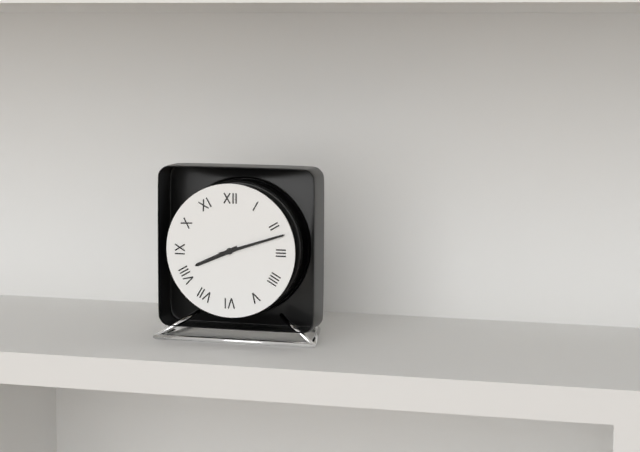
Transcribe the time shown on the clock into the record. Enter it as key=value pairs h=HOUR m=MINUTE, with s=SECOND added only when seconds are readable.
h=8 m=12
